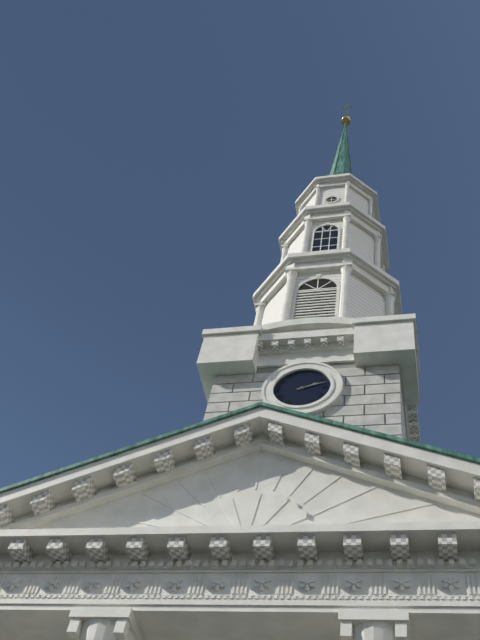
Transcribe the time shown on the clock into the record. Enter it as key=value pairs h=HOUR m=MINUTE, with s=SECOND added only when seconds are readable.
h=2 m=12
